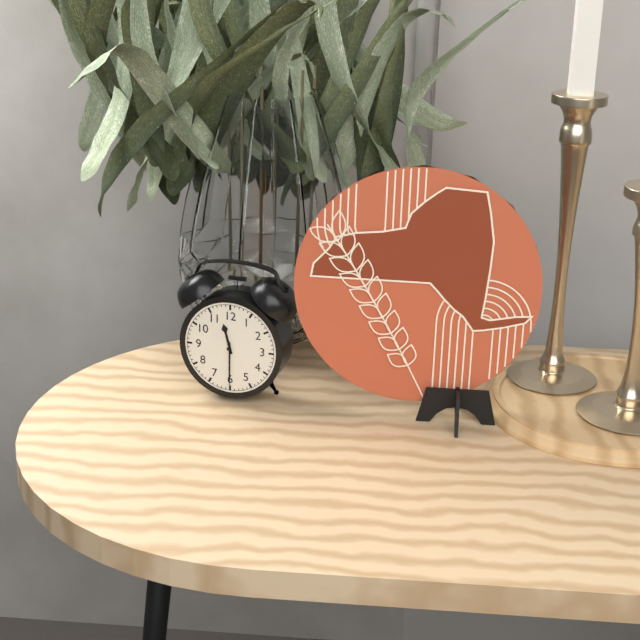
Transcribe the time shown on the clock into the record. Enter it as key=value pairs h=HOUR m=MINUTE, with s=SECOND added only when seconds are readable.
h=11 m=30
